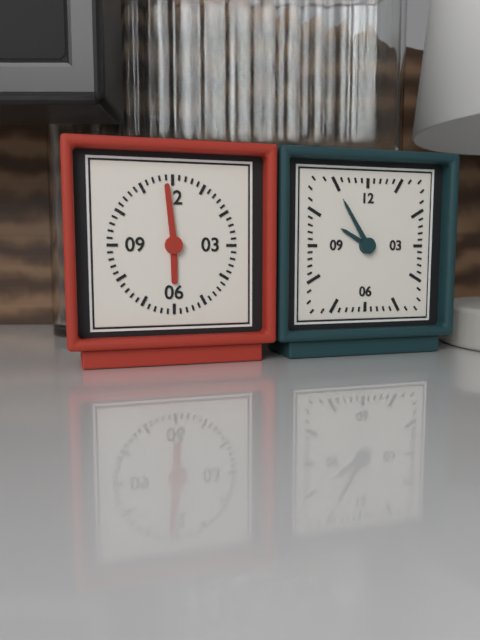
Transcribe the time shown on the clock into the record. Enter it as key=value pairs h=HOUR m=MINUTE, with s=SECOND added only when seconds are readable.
h=5 m=59
